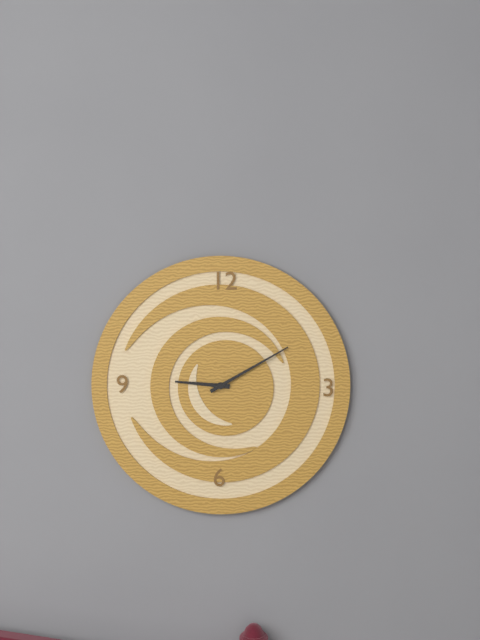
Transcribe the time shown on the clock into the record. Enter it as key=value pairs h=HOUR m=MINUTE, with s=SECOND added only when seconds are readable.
h=9 m=10
